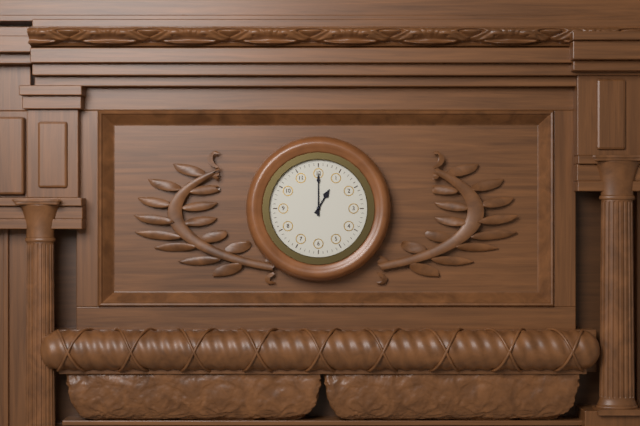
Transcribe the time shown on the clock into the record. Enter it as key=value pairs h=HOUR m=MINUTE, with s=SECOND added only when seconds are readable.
h=1 m=0
